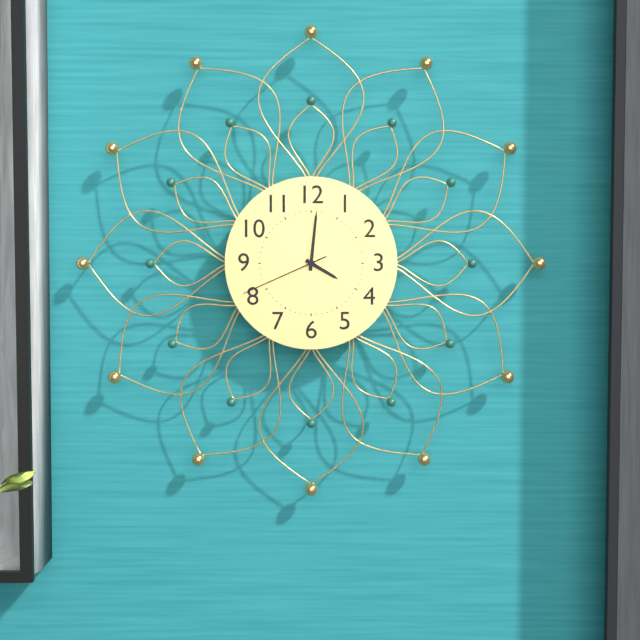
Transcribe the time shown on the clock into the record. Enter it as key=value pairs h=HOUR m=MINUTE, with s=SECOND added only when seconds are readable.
h=4 m=1 s=41
